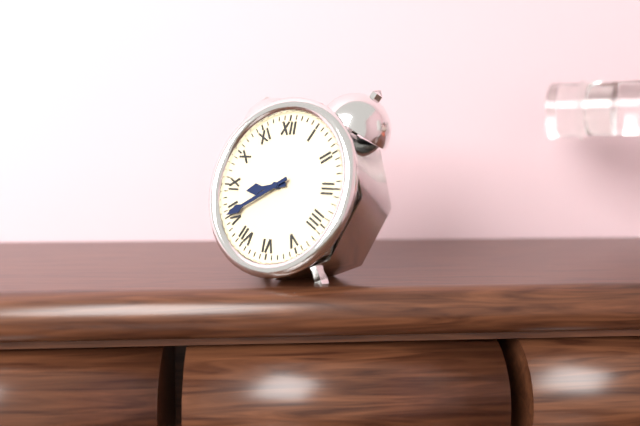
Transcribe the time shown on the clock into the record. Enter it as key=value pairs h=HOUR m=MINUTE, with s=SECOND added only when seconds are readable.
h=8 m=40
